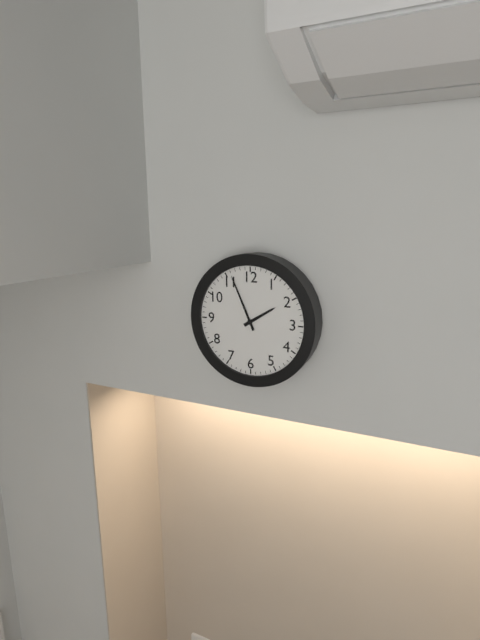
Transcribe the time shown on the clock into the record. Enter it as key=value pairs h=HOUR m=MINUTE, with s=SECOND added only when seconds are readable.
h=1 m=56
